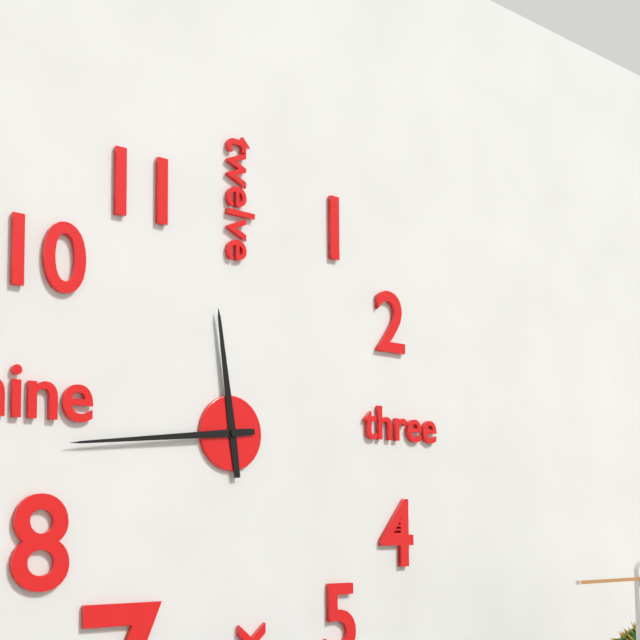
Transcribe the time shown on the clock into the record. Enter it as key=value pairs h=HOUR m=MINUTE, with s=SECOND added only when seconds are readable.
h=11 m=44
